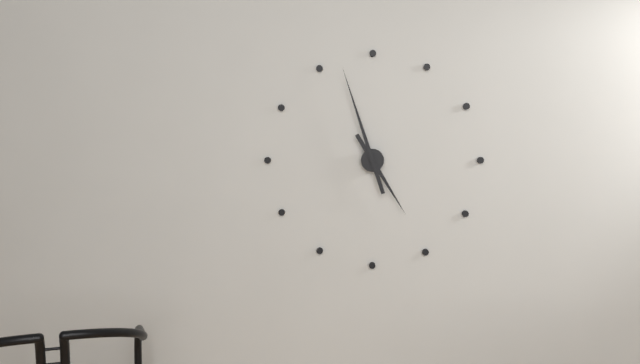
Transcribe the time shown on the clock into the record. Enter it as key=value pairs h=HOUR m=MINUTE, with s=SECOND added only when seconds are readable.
h=4 m=57
